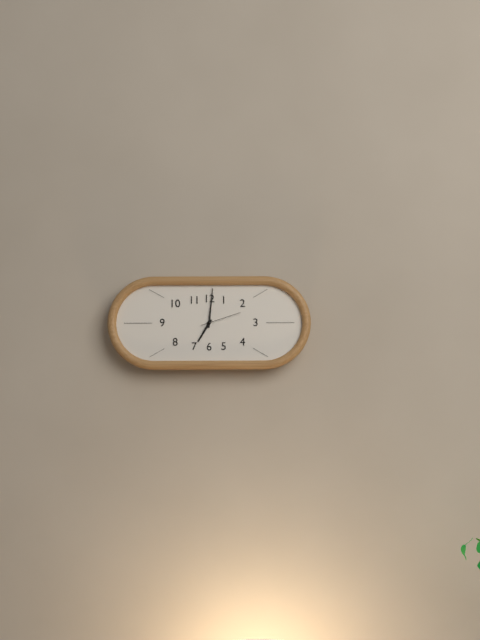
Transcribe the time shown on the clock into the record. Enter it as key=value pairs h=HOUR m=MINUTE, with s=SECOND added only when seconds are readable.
h=7 m=1
